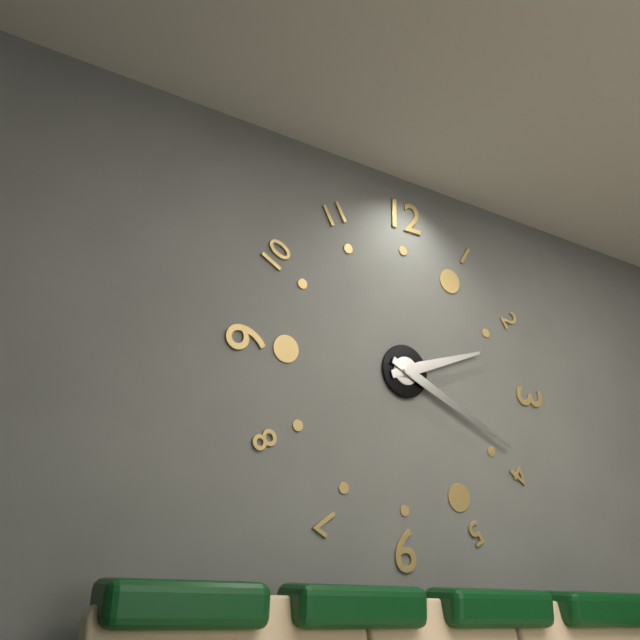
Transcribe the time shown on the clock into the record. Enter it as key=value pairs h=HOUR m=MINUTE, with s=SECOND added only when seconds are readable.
h=2 m=19
